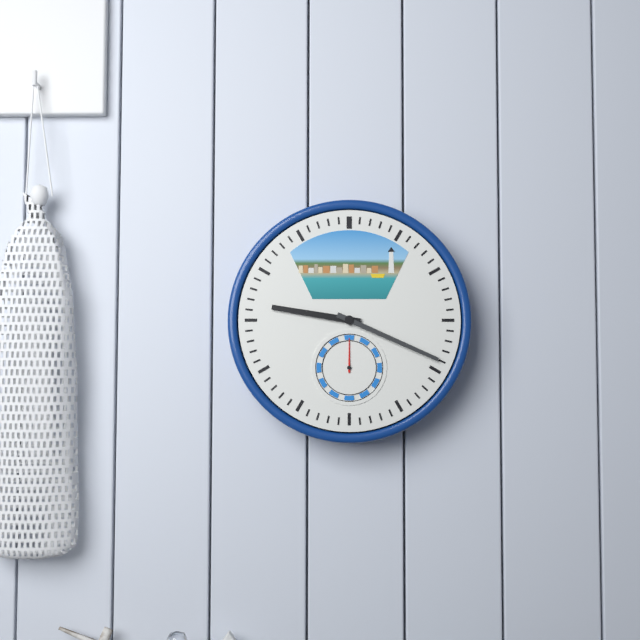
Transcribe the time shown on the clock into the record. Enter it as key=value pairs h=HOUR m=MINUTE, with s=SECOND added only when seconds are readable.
h=9 m=19
